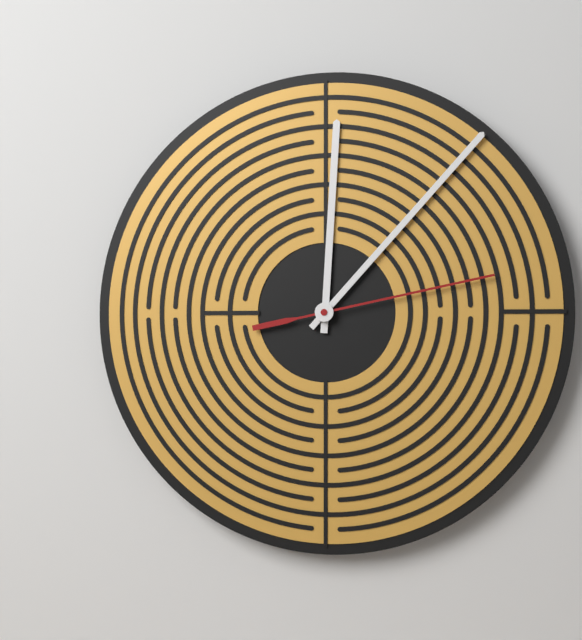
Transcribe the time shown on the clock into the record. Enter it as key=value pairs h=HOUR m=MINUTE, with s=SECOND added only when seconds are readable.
h=12 m=7 s=13
